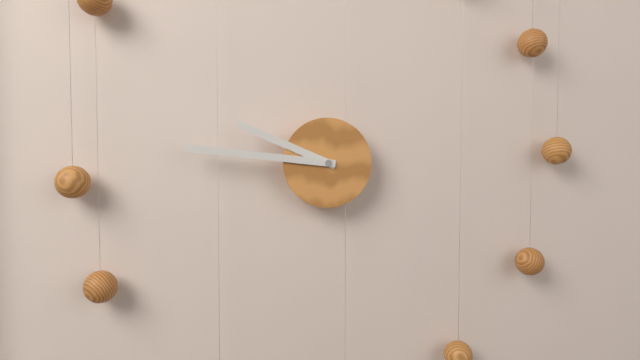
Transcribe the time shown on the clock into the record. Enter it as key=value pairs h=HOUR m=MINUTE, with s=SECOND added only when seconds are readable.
h=9 m=46
